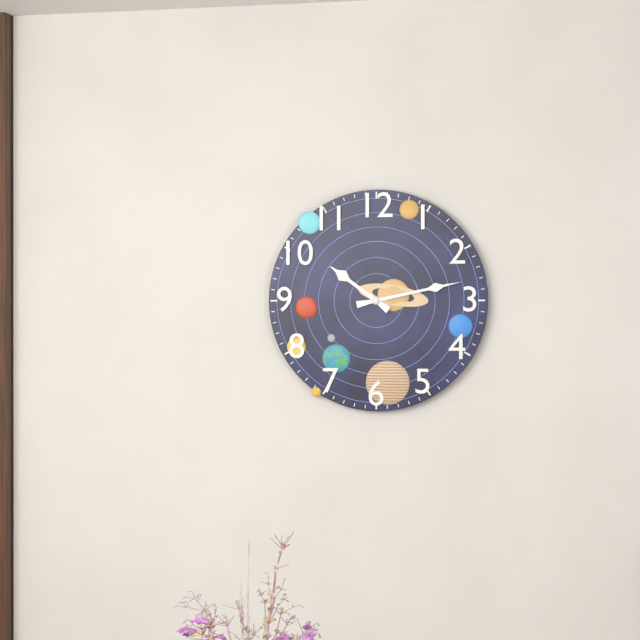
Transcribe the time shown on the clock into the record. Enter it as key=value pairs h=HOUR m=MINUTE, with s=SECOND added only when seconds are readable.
h=10 m=13
